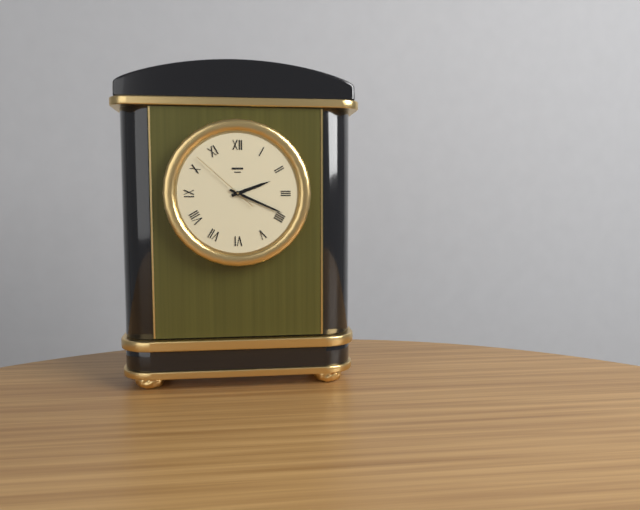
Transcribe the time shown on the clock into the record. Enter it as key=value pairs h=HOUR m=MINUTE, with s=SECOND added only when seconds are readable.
h=2 m=19 s=52
